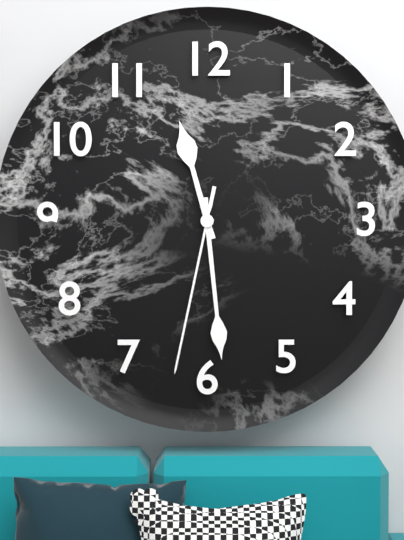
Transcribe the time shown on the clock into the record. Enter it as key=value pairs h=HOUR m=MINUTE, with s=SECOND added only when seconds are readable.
h=11 m=29 s=32
